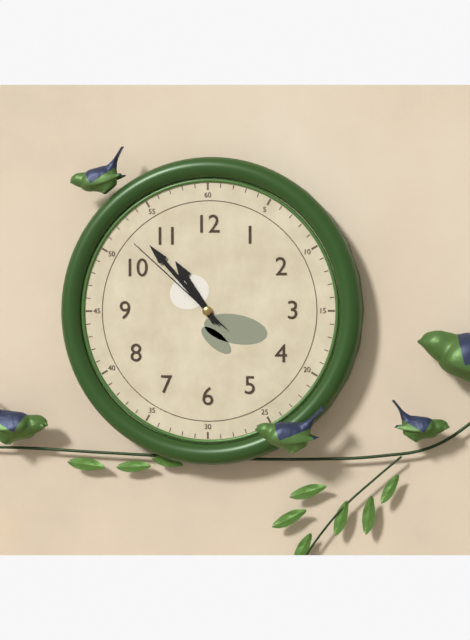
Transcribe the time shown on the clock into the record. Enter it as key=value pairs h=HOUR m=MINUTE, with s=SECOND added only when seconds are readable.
h=10 m=53 s=52
